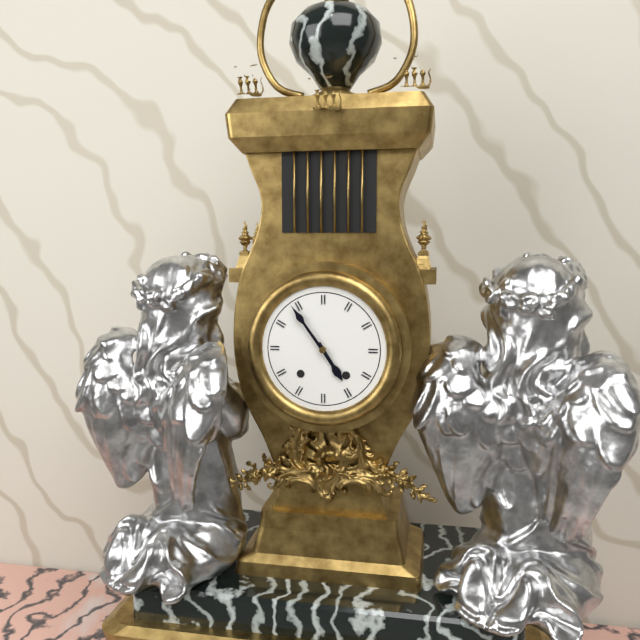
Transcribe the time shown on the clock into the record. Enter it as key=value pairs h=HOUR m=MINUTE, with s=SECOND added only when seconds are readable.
h=4 m=54
